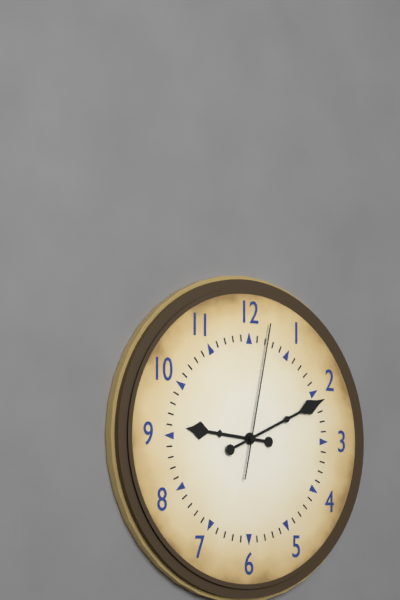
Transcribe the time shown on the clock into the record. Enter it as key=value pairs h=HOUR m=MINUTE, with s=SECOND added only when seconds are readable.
h=9 m=11 s=2
